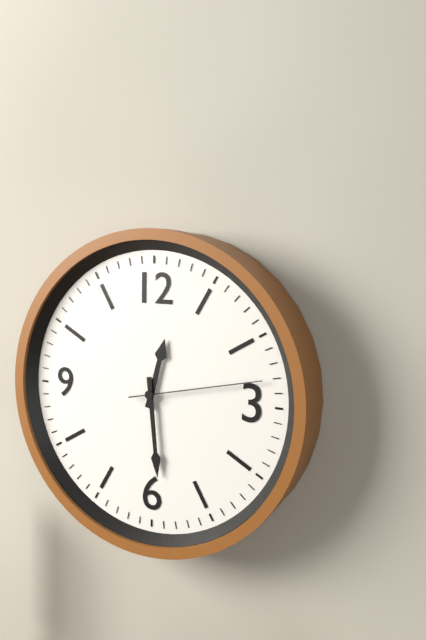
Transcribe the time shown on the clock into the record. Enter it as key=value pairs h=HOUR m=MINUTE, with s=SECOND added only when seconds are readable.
h=12 m=29 s=13
